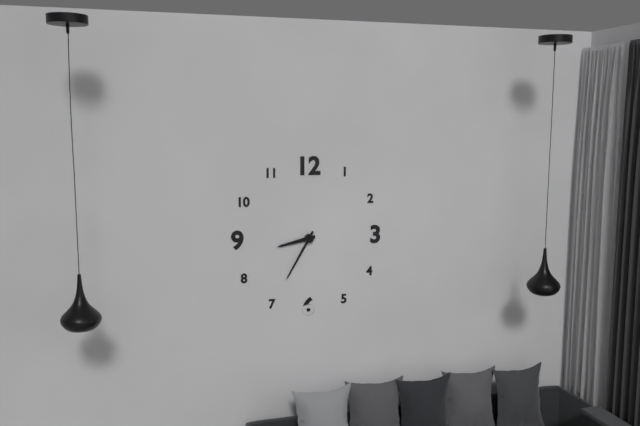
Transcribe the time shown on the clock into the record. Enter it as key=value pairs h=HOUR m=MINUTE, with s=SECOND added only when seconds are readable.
h=8 m=35
